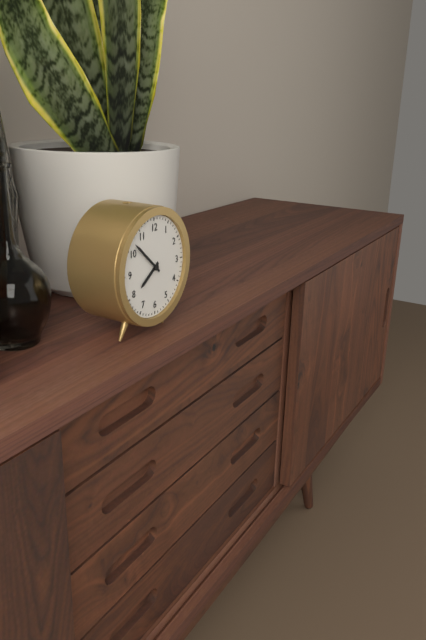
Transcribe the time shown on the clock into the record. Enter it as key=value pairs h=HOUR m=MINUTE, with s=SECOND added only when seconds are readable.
h=7 m=52
